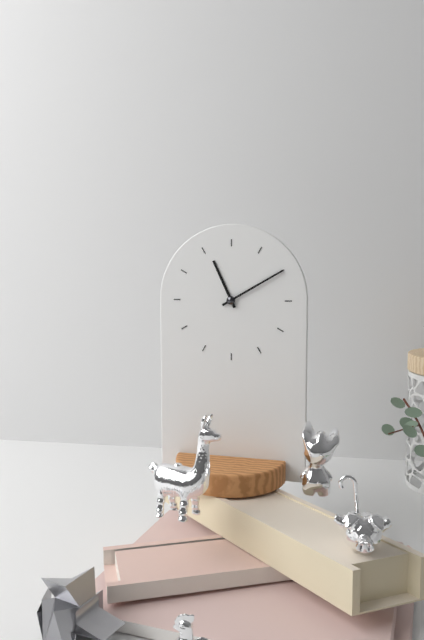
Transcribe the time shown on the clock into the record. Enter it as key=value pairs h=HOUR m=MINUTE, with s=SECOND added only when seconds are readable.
h=11 m=10
